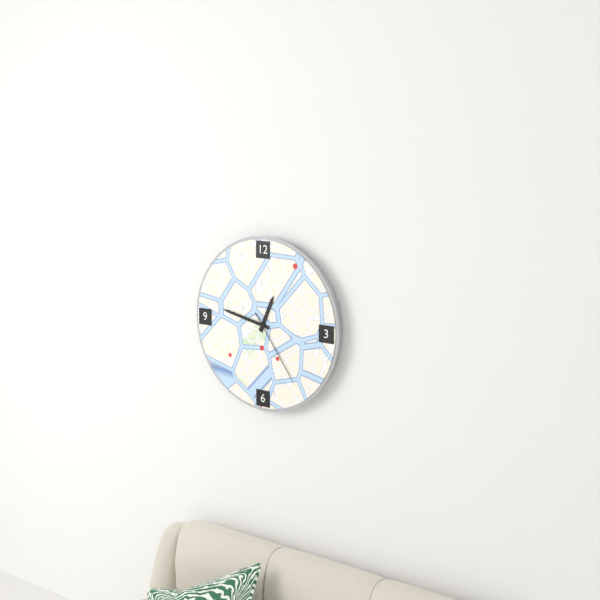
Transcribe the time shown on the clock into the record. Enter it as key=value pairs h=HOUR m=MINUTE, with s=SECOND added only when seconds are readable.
h=12 m=47 s=24
